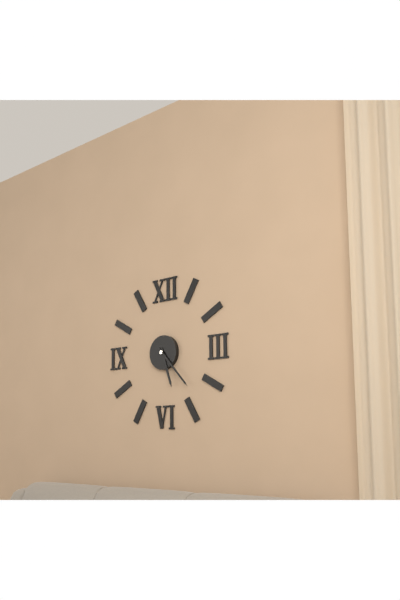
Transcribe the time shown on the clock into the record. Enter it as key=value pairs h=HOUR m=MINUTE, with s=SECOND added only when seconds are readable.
h=5 m=23
